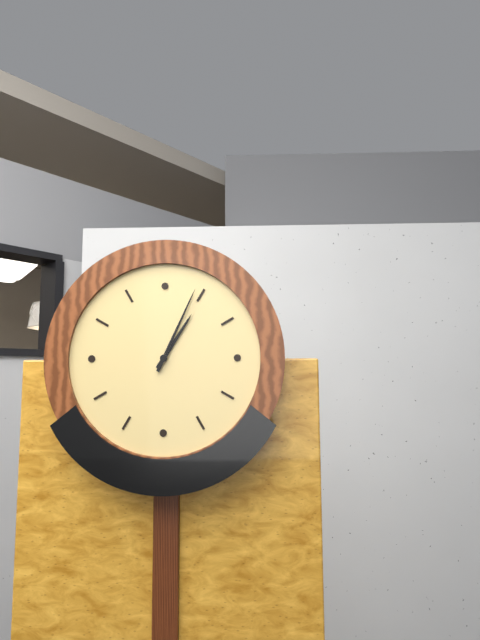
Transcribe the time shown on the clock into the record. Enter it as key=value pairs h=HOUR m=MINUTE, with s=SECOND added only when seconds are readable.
h=1 m=4
